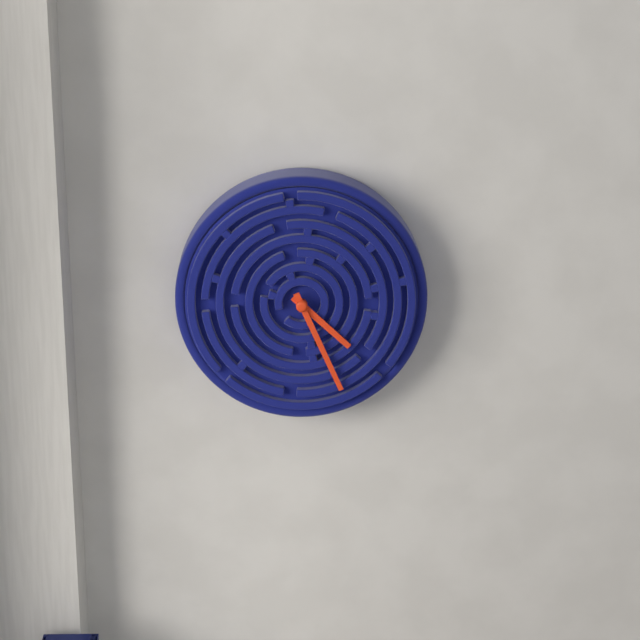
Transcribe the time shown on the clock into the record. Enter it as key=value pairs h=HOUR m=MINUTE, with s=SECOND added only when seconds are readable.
h=4 m=26
